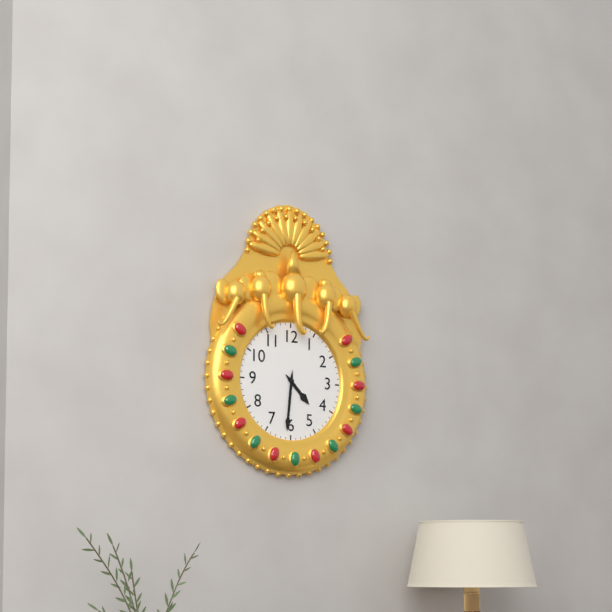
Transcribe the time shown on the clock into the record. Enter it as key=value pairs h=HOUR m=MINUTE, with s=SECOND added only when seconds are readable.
h=4 m=31
